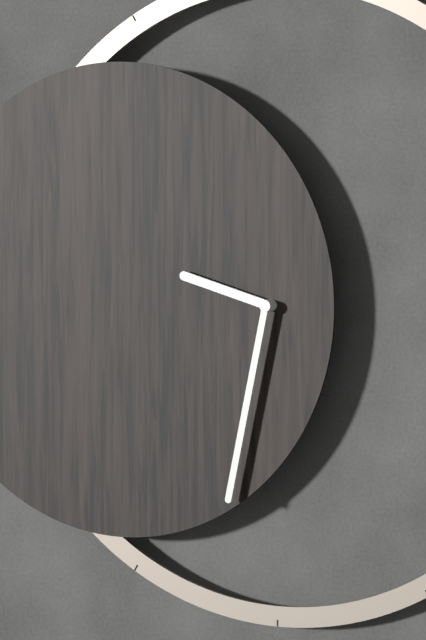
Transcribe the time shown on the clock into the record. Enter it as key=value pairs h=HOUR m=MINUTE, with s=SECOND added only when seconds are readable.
h=9 m=32
